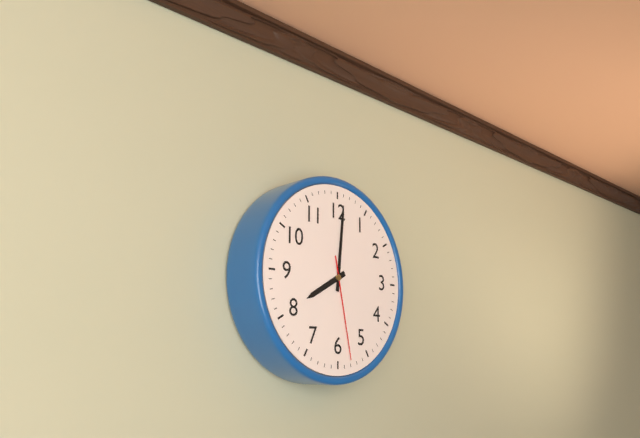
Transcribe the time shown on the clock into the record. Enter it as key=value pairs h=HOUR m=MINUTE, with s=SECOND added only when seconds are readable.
h=8 m=1 s=28
